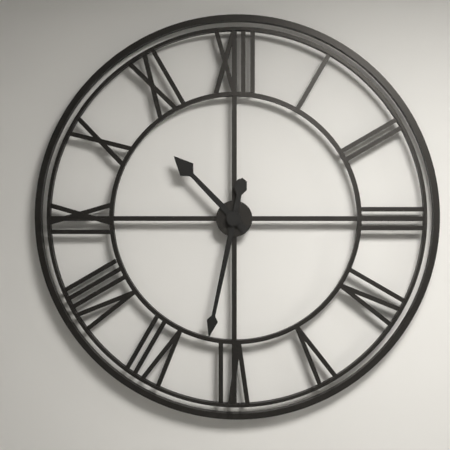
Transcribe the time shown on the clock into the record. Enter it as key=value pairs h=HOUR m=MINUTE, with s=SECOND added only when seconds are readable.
h=10 m=32
